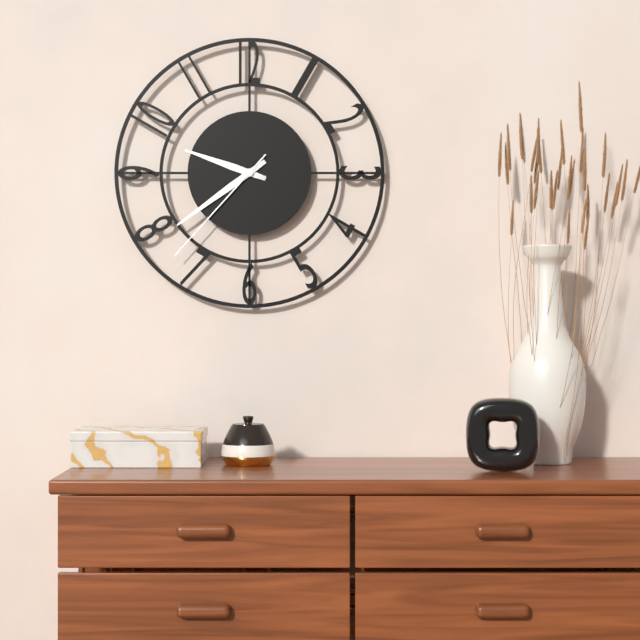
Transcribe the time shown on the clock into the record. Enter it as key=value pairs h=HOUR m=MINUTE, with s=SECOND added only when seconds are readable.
h=9 m=39 s=37
